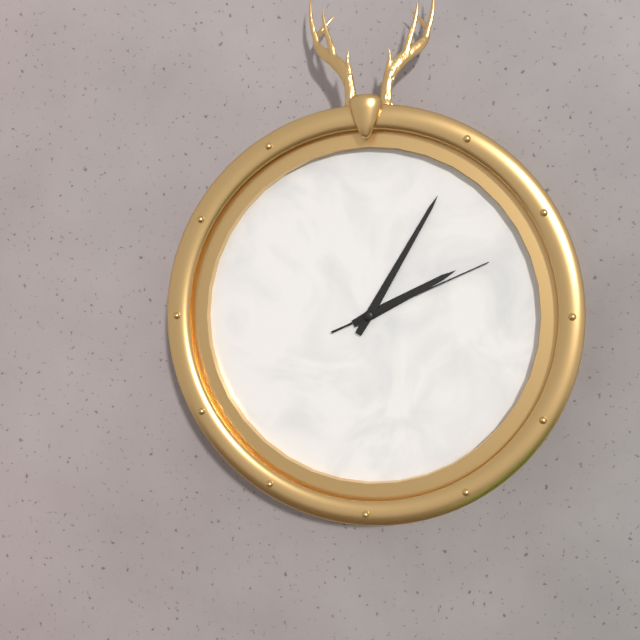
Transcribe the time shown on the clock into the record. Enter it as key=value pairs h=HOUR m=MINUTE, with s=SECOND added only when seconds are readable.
h=2 m=5 s=11
